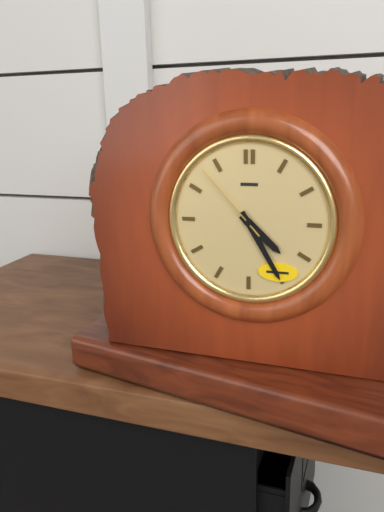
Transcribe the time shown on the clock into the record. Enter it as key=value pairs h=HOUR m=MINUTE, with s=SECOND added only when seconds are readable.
h=4 m=25 s=53
